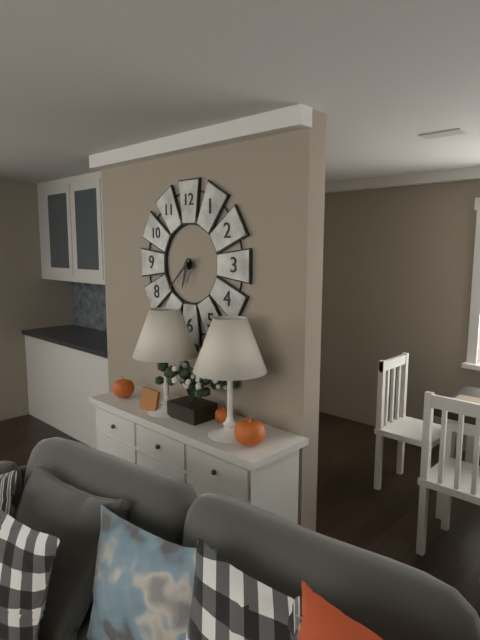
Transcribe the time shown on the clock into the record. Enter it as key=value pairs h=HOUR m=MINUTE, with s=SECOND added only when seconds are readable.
h=6 m=38
